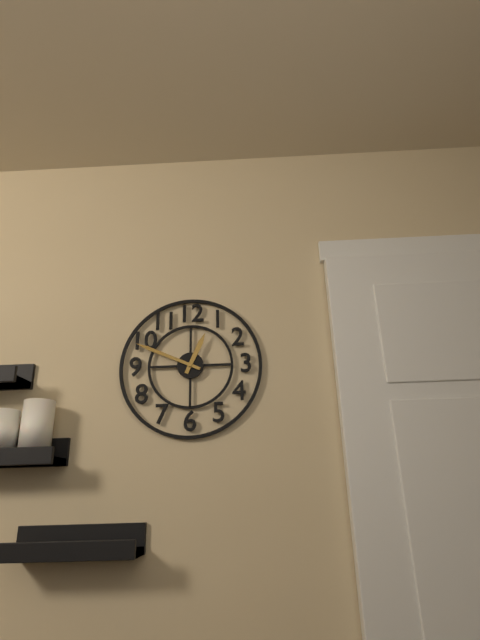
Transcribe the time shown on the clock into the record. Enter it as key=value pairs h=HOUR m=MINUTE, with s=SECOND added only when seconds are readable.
h=12 m=49
